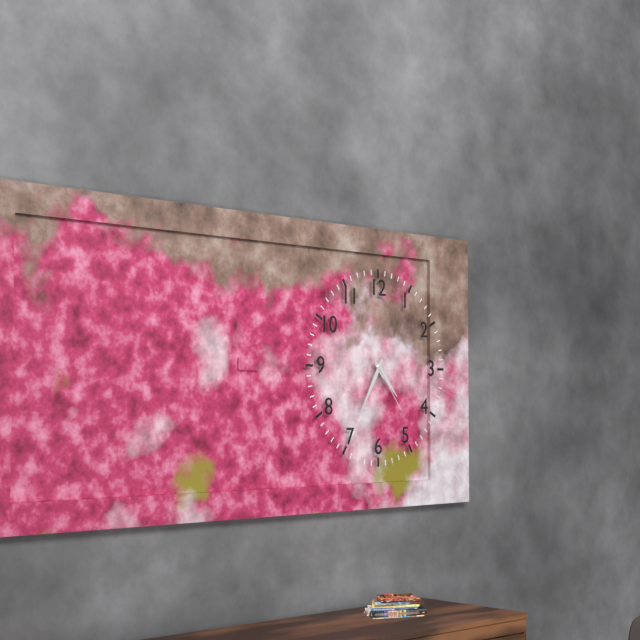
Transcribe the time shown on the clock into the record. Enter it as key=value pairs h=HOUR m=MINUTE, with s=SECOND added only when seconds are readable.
h=4 m=35 s=24
